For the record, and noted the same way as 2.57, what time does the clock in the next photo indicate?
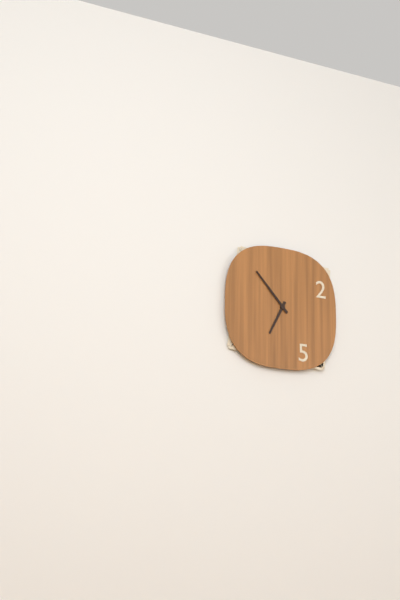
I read 6.53
